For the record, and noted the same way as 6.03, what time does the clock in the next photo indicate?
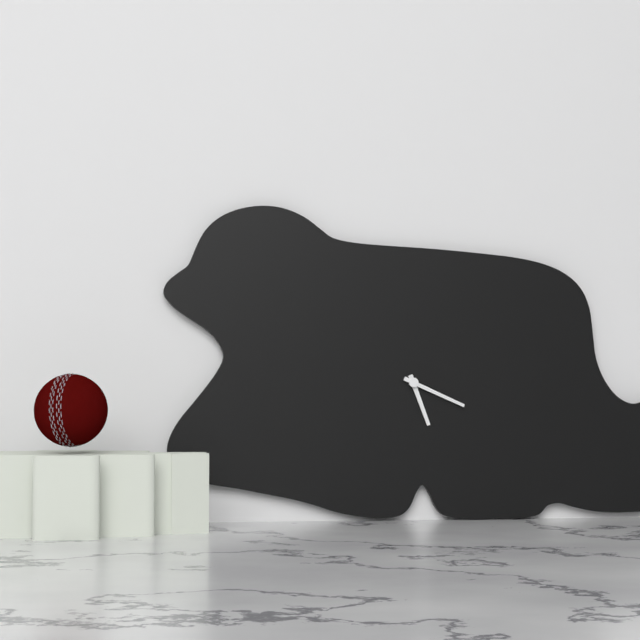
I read 5.19
